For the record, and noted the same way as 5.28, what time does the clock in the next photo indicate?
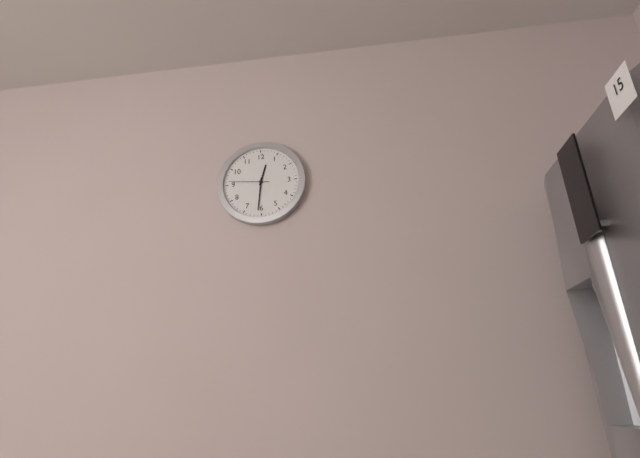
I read 12.31
